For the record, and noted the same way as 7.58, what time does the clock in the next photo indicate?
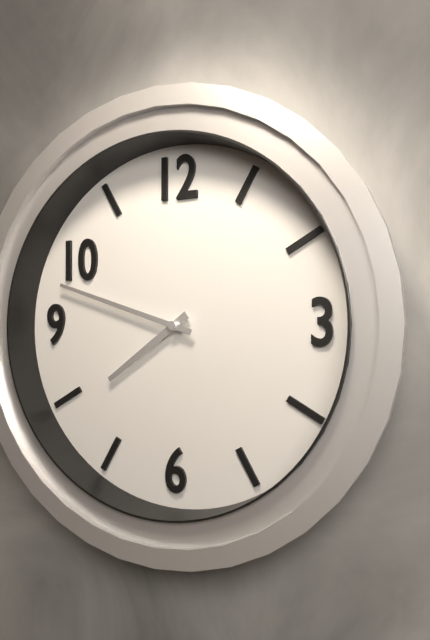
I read 7.48
